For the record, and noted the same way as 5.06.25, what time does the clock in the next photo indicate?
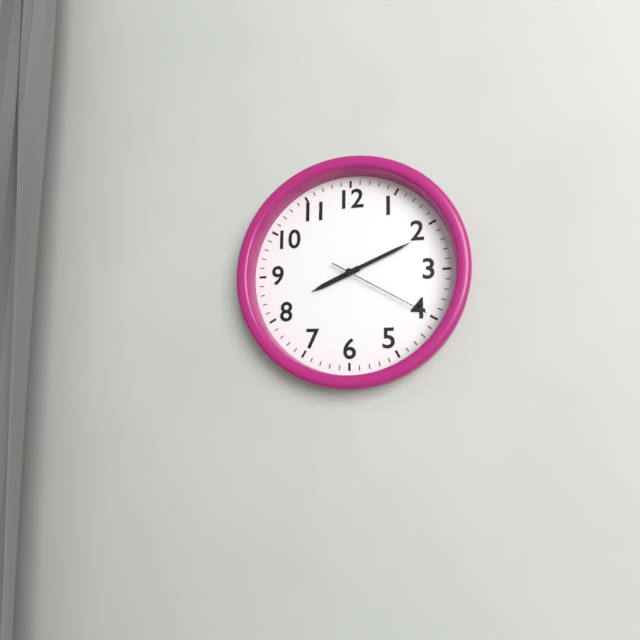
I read 8.11.20
